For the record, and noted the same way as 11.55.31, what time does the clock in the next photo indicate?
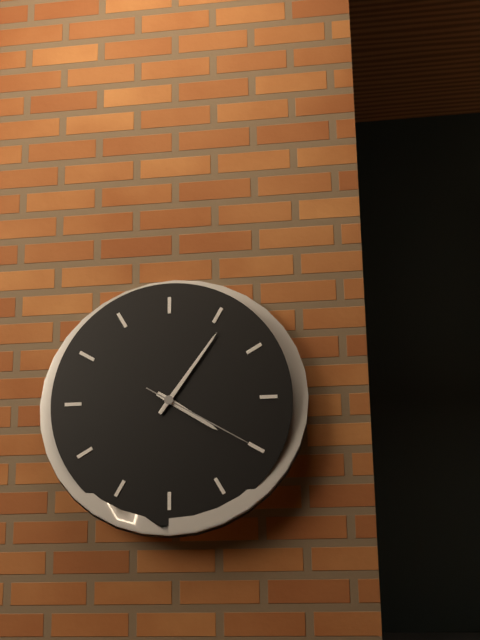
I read 4.06.20
